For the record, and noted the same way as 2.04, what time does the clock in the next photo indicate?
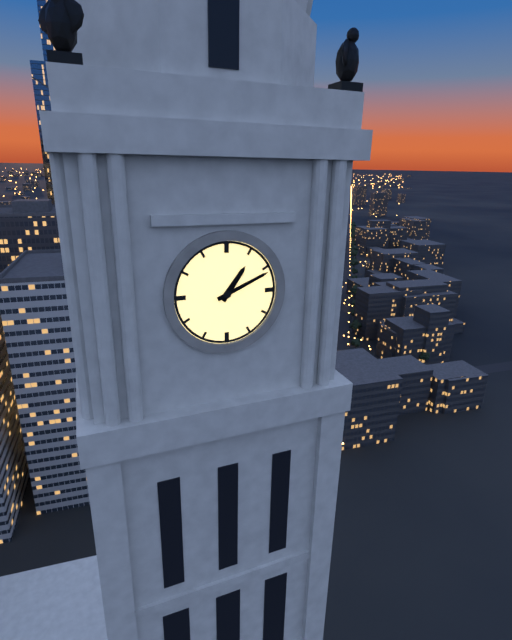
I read 1.11
